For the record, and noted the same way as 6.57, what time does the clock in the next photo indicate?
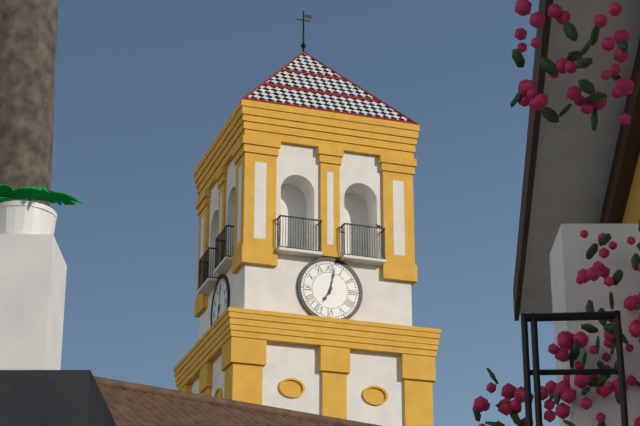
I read 7.02
